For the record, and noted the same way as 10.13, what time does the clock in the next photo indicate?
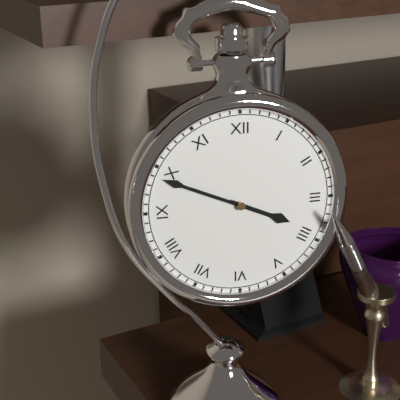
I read 3.49
